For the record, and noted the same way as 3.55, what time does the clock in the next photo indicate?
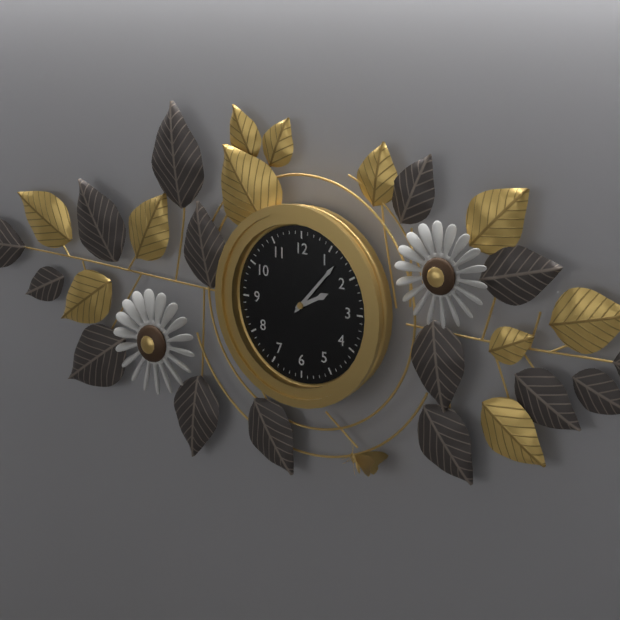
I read 2.07
